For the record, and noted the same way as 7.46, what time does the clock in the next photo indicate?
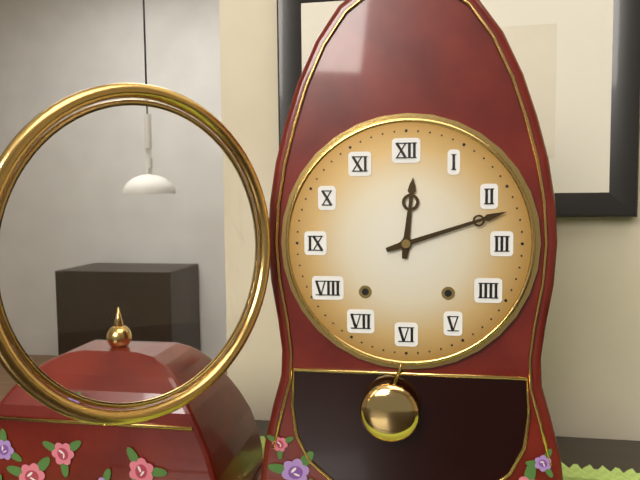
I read 12.12
